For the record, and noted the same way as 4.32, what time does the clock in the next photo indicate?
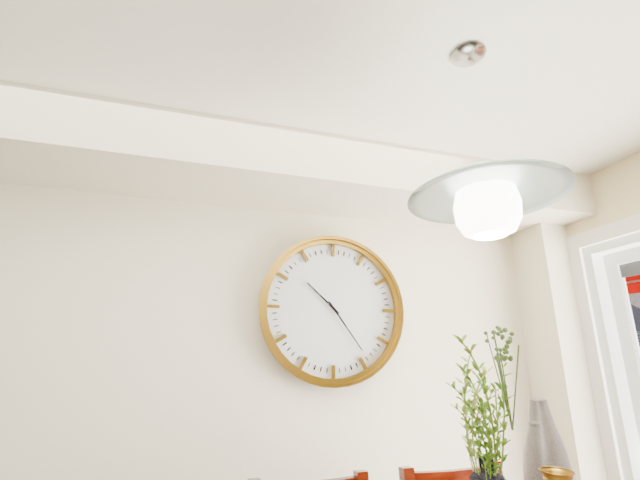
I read 10.24
